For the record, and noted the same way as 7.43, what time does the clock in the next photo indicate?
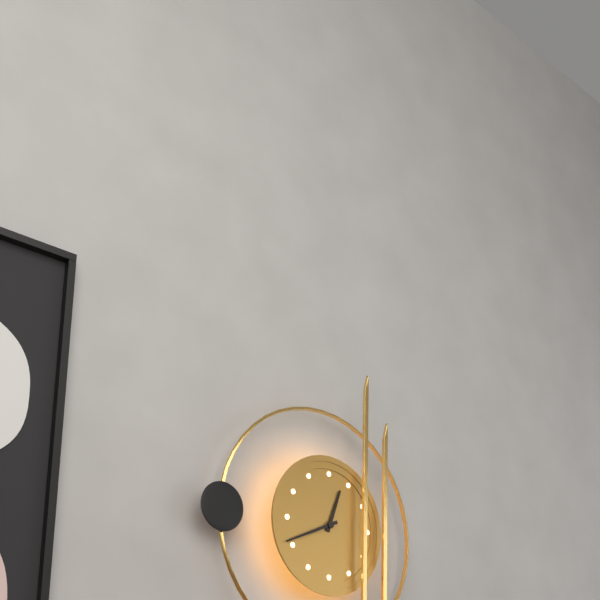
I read 12.41
